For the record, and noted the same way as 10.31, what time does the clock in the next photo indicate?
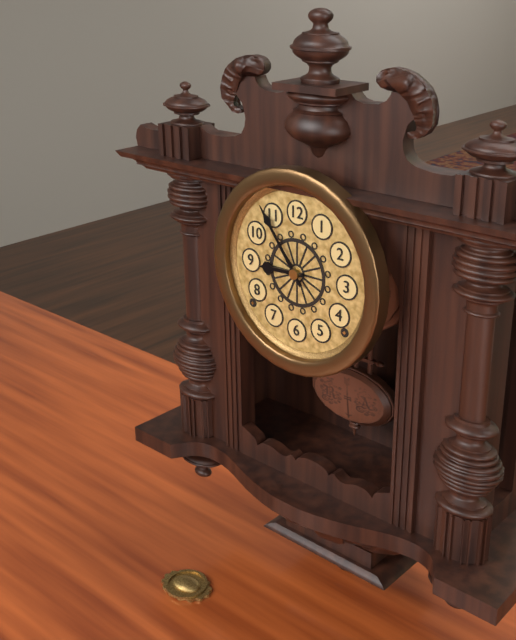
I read 8.54
